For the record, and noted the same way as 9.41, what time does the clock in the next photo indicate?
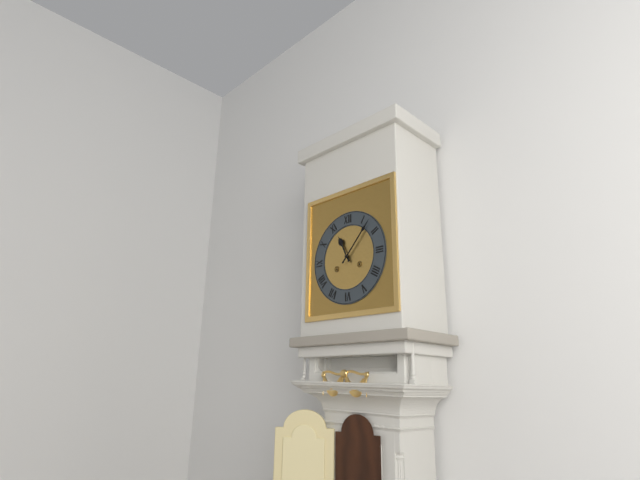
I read 11.07
